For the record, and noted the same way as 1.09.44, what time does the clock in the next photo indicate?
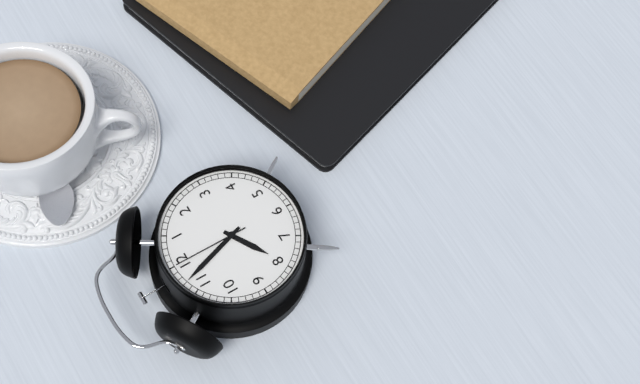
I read 7.57.00
